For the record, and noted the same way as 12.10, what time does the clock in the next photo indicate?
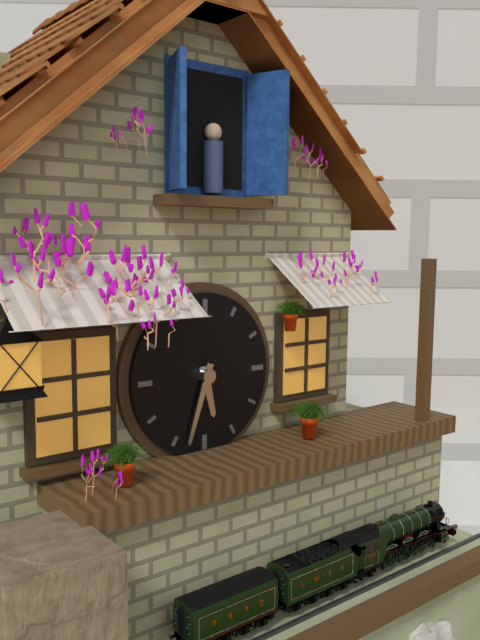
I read 5.33
